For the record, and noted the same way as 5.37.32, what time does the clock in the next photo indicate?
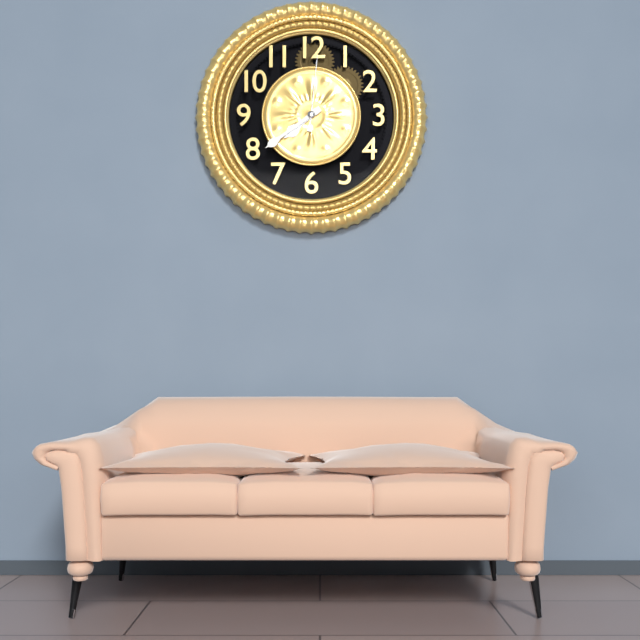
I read 7.39.01
